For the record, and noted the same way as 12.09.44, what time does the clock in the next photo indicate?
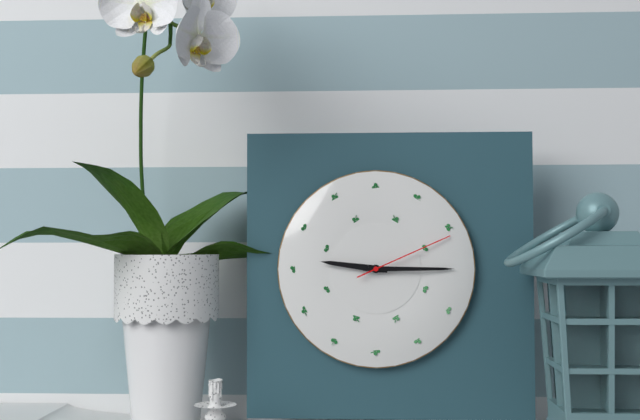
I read 9.15.11
